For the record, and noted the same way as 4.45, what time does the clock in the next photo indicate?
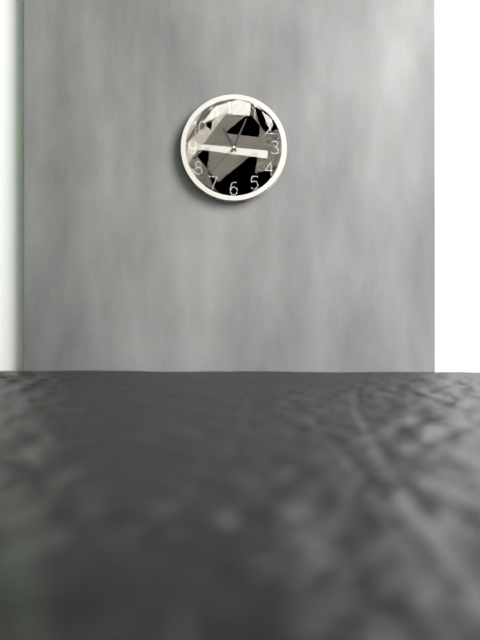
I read 11.04
